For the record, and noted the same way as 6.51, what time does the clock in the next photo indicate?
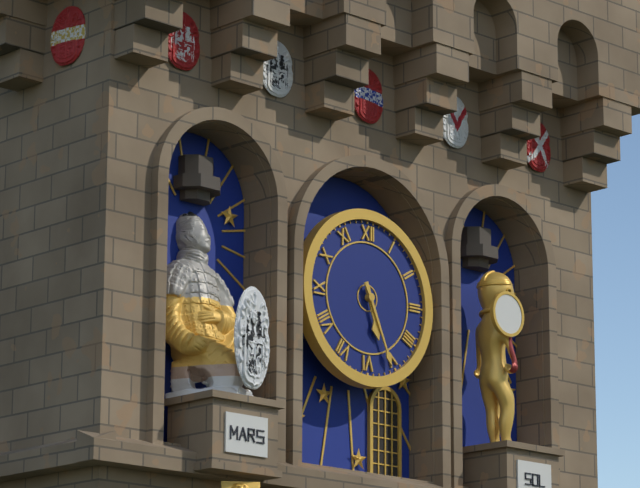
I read 5.26
